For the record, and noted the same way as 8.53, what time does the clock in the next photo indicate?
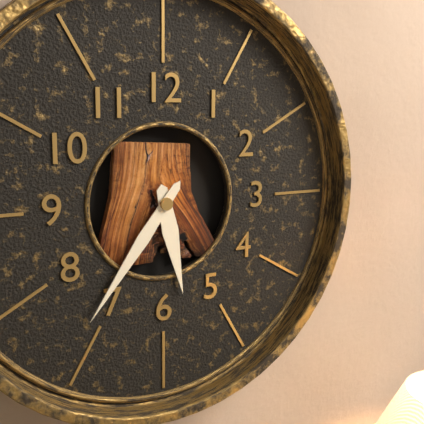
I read 5.36
